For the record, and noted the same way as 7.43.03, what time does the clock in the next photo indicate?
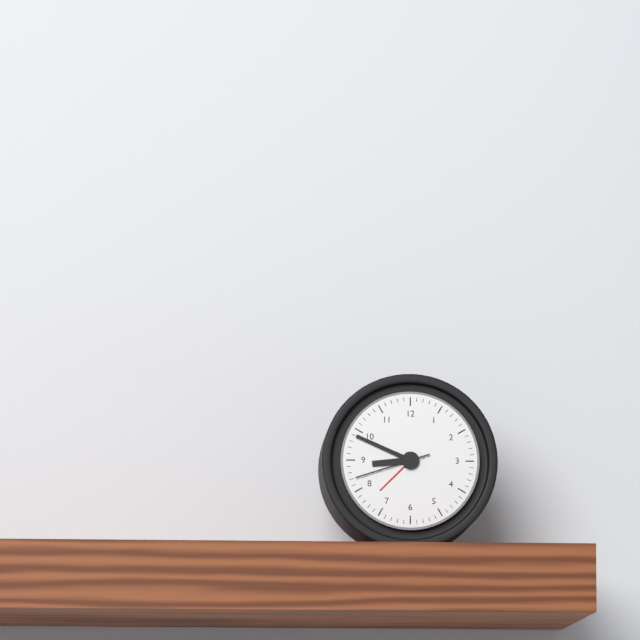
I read 8.49.42
